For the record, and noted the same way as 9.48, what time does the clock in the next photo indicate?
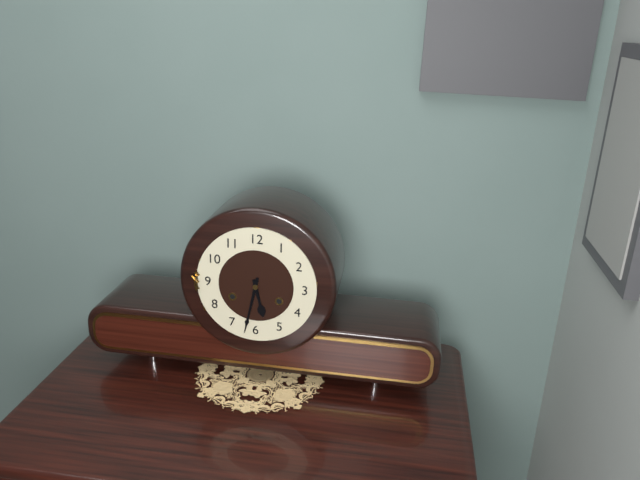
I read 5.32
